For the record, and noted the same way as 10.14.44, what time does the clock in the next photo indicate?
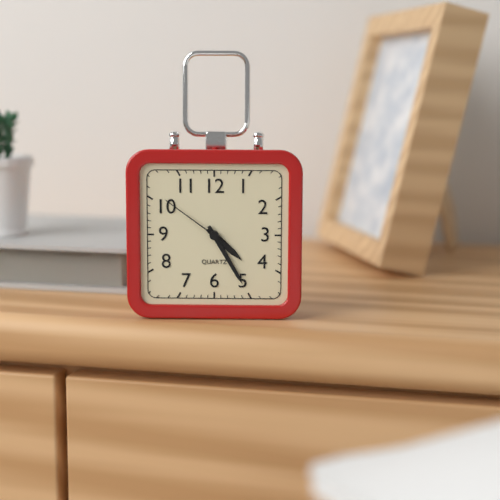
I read 4.25.51
